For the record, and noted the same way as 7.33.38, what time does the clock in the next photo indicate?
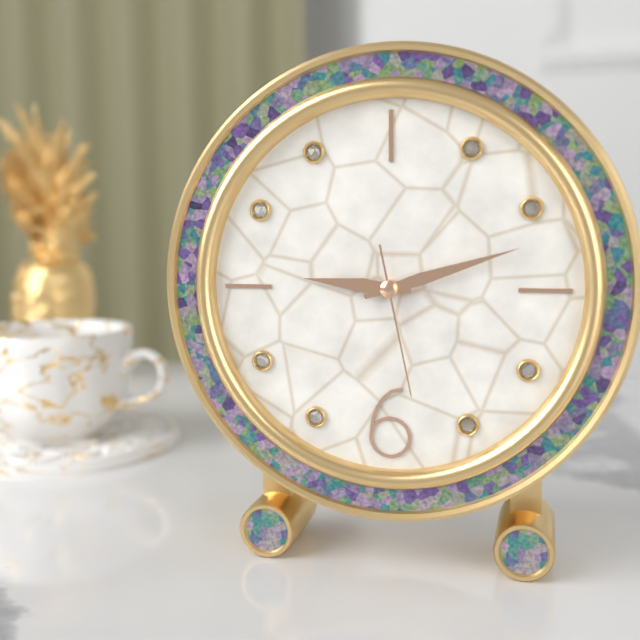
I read 9.12.28
